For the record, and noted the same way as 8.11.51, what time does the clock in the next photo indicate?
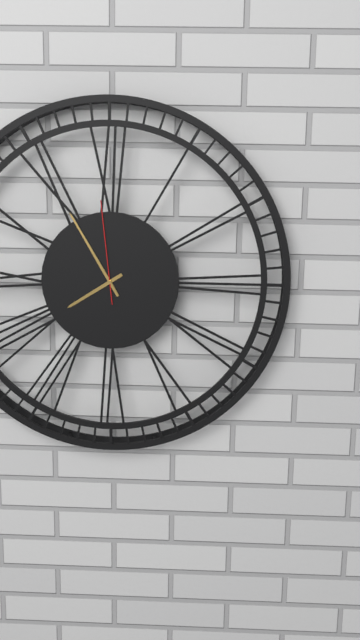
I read 7.55.59
